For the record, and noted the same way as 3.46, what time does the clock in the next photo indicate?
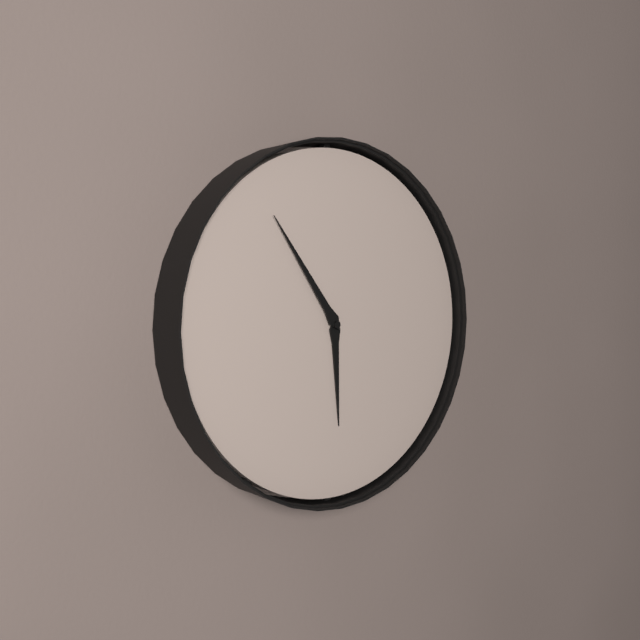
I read 5.54
